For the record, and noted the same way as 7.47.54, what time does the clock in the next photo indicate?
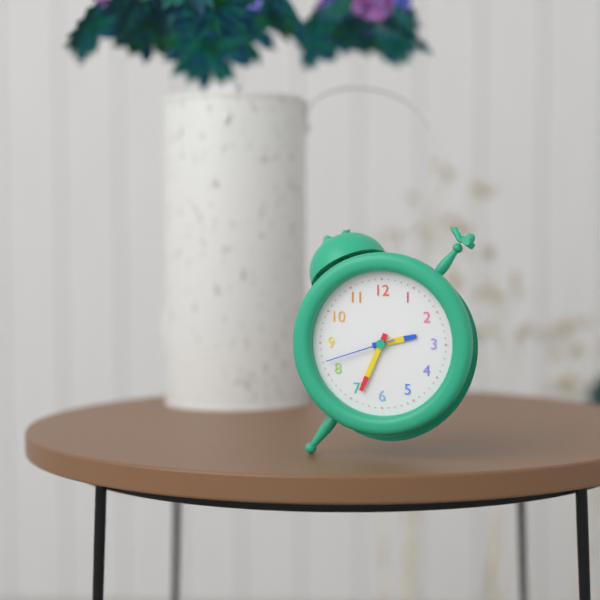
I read 2.34.42
